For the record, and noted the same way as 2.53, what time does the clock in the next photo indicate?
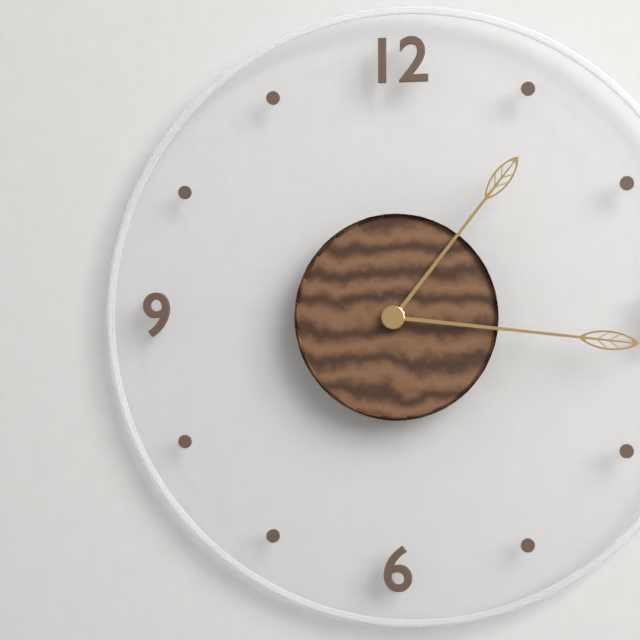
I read 1.16
